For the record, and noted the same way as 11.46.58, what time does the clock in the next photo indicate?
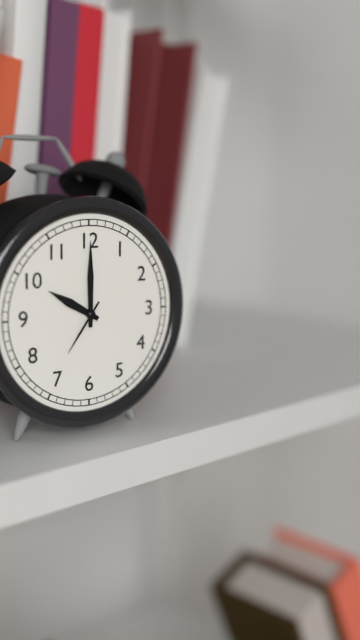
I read 10.00.36
